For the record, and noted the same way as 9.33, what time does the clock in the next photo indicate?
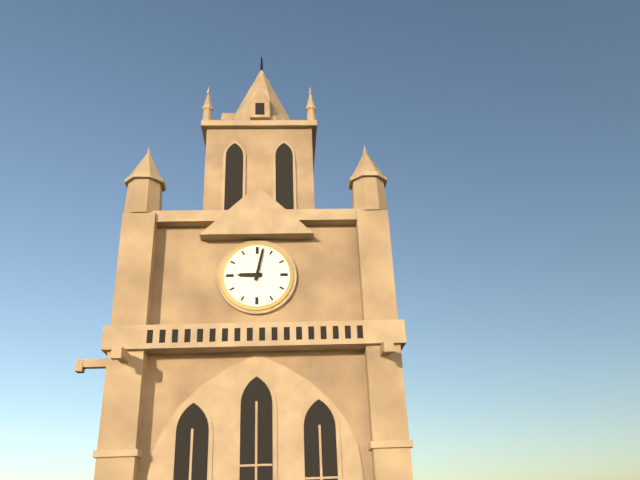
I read 9.02
